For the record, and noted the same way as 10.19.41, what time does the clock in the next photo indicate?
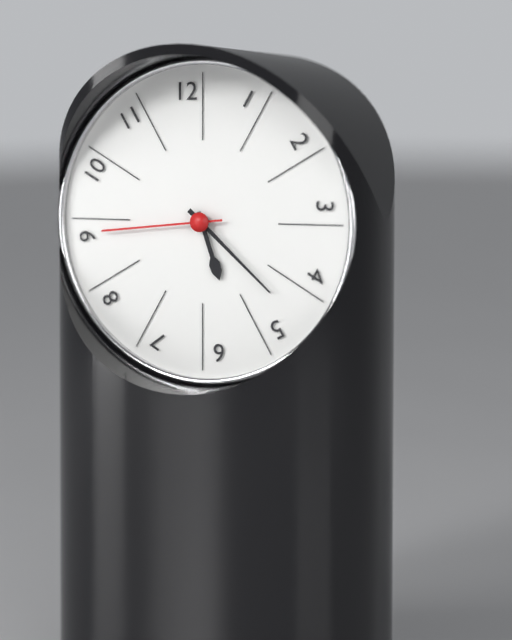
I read 5.22.44
